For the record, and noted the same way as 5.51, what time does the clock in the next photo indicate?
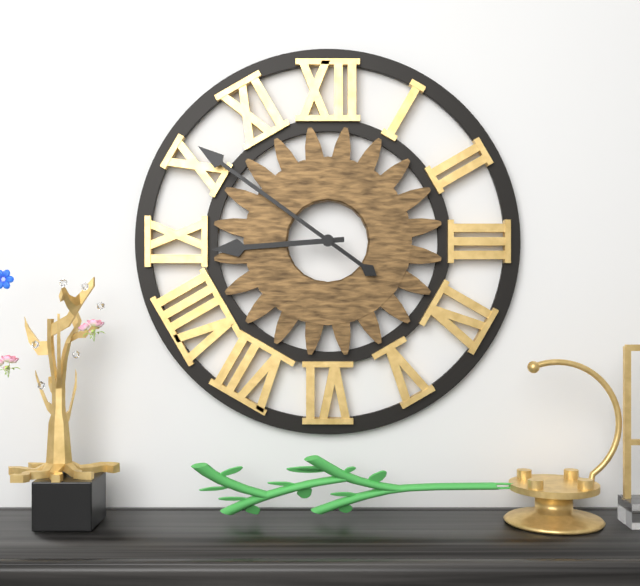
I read 8.51
